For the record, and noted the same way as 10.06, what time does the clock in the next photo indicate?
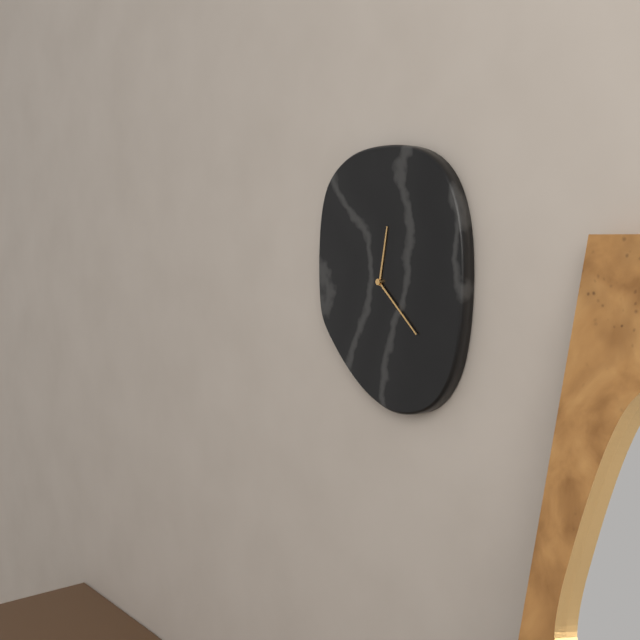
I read 12.22
